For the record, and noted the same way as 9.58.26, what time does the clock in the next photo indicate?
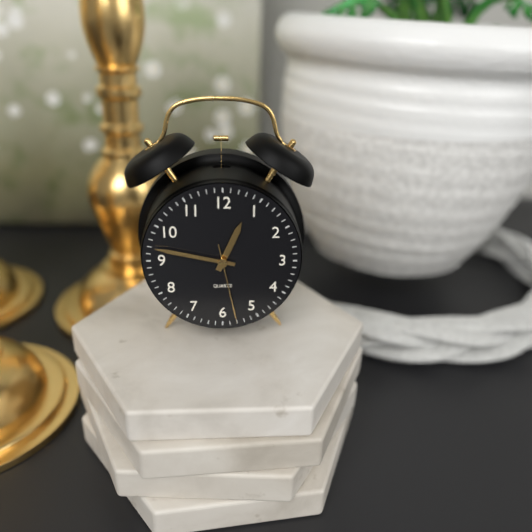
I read 12.47.28
